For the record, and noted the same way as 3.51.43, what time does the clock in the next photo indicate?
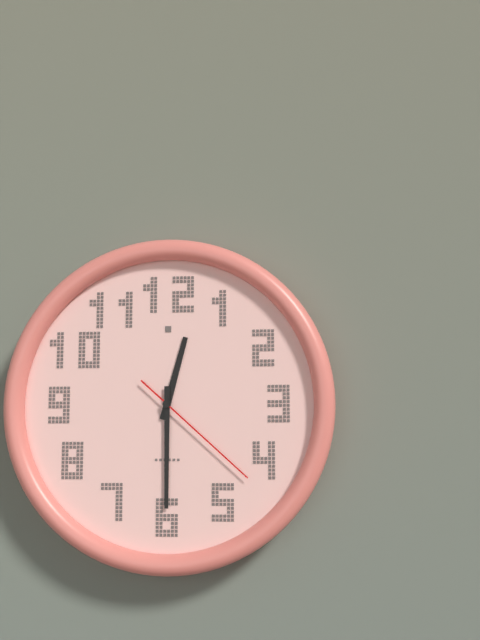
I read 12.30.22
